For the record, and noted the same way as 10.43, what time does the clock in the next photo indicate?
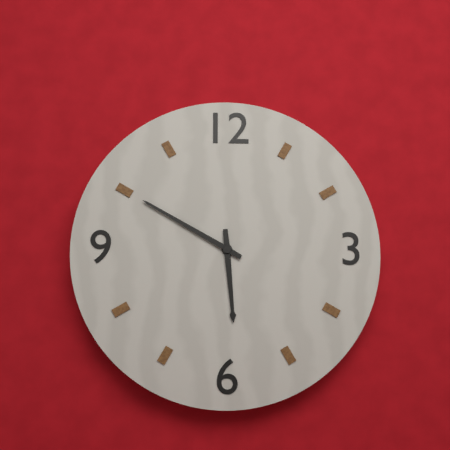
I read 5.50
